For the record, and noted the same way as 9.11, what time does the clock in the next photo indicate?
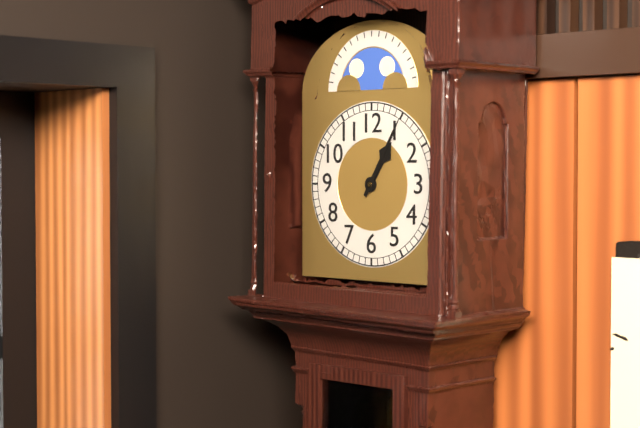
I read 1.05
